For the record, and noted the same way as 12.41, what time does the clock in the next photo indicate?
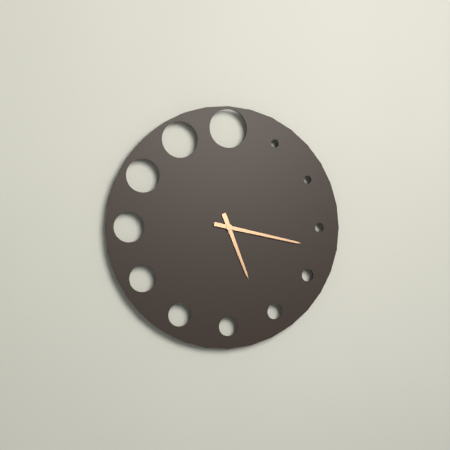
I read 5.17
